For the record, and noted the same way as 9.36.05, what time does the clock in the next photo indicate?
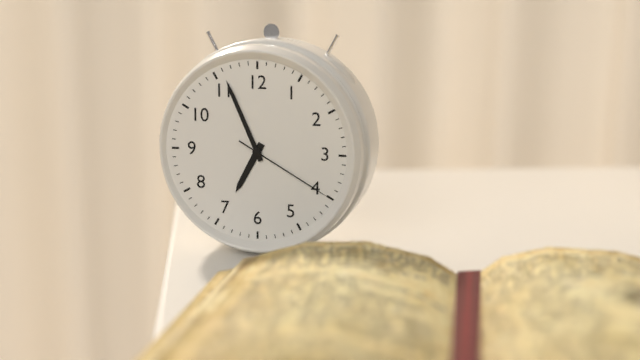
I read 6.56.20
